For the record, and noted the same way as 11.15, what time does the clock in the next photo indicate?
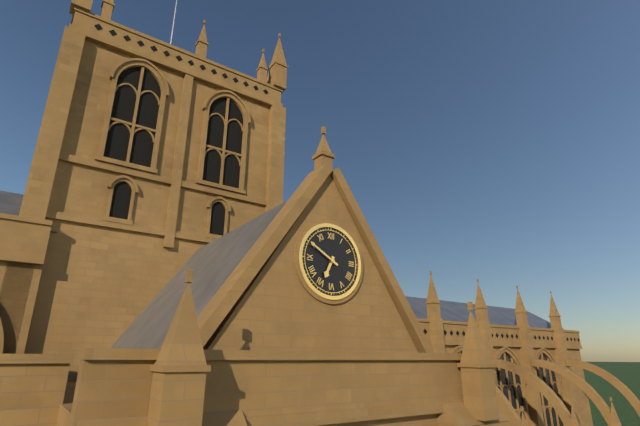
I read 6.50
